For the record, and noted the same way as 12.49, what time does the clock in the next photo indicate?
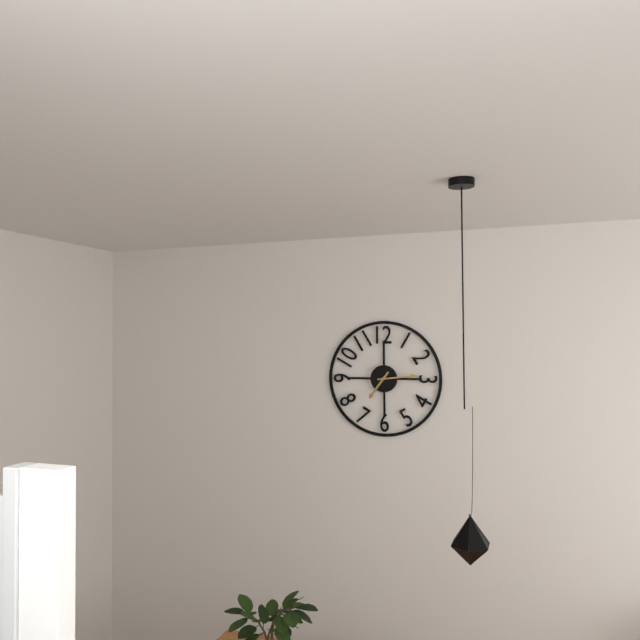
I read 7.14
